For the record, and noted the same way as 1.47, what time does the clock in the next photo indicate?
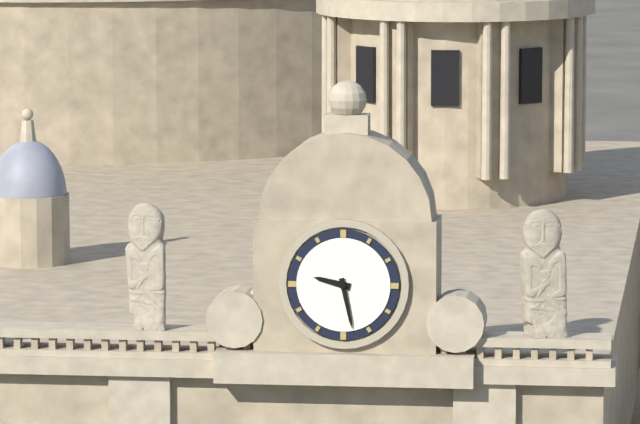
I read 9.28
